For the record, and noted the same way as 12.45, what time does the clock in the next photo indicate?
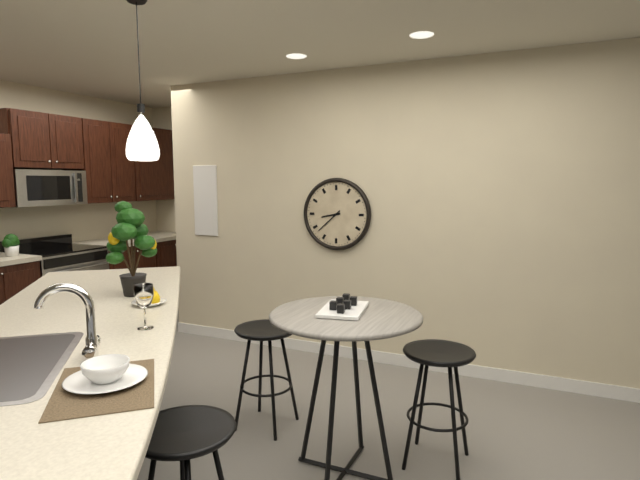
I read 8.38
